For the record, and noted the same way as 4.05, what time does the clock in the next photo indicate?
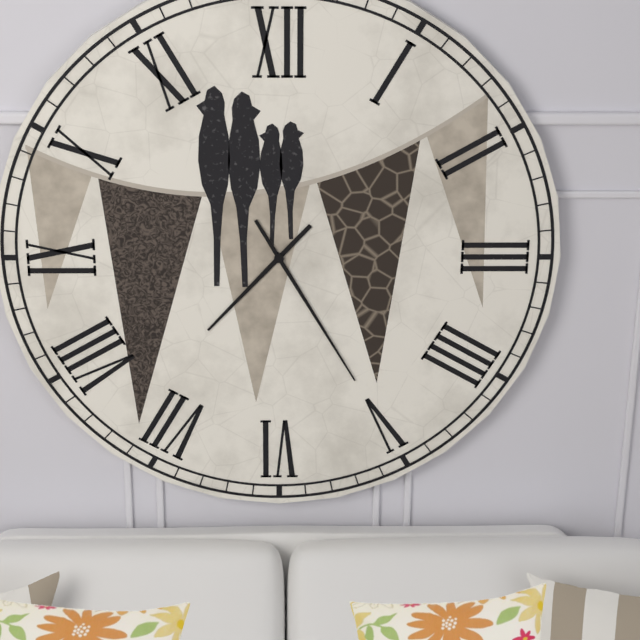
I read 7.25
